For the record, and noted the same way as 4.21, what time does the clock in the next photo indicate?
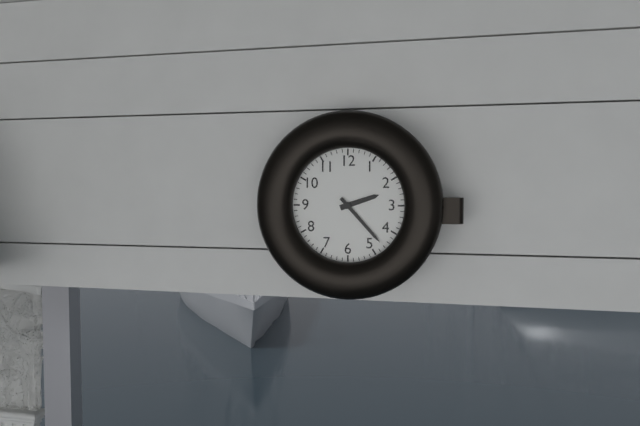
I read 2.23
